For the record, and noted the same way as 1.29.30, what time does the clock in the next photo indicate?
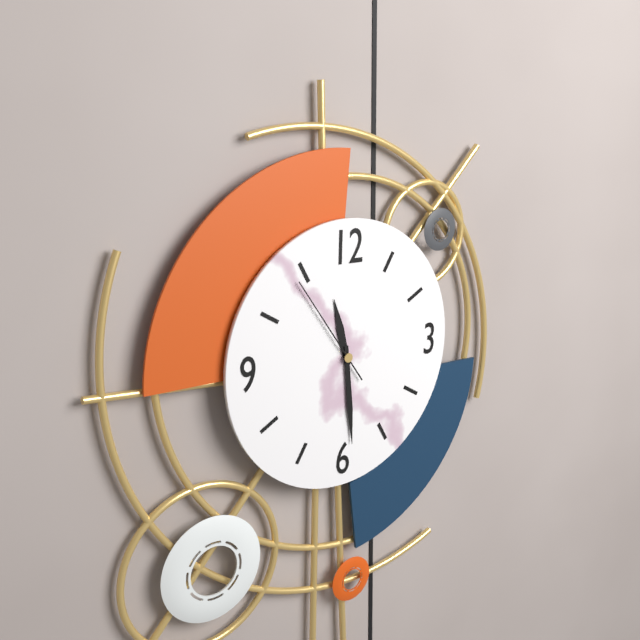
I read 11.29.54
